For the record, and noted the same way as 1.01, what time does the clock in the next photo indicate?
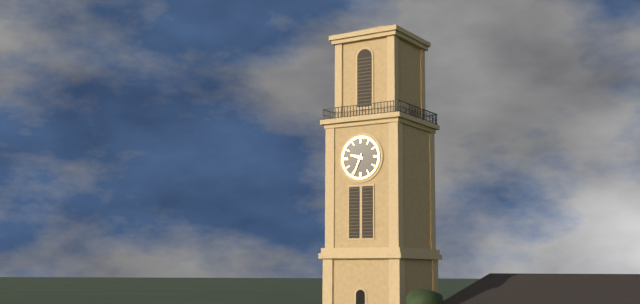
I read 9.34
